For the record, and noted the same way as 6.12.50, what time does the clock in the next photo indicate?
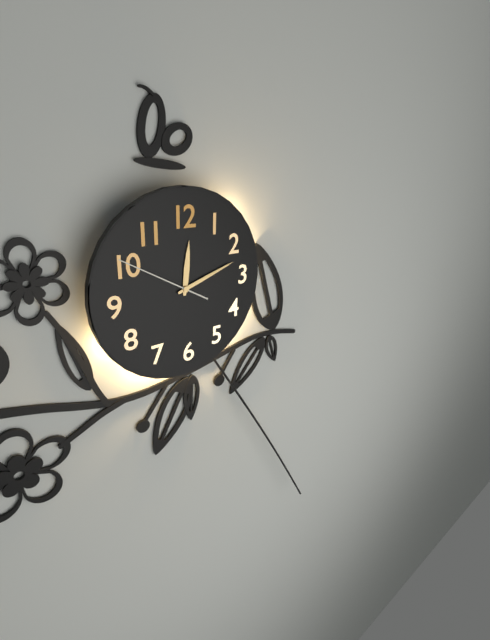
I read 12.12.50
